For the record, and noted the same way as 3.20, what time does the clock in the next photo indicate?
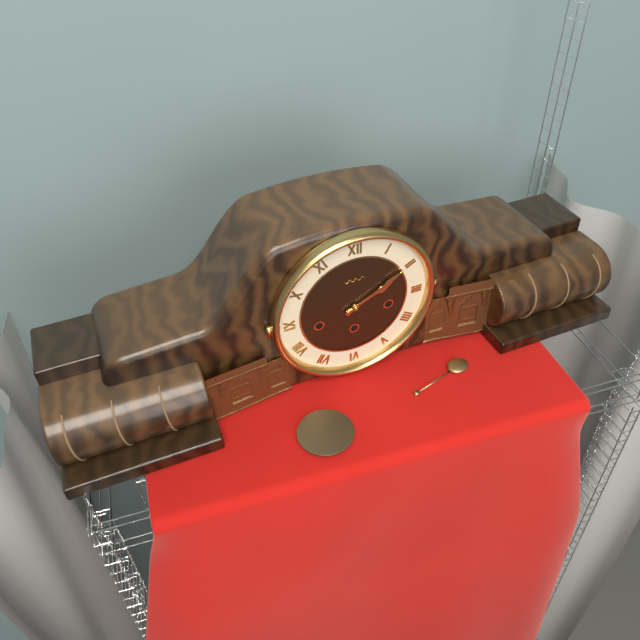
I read 2.10
